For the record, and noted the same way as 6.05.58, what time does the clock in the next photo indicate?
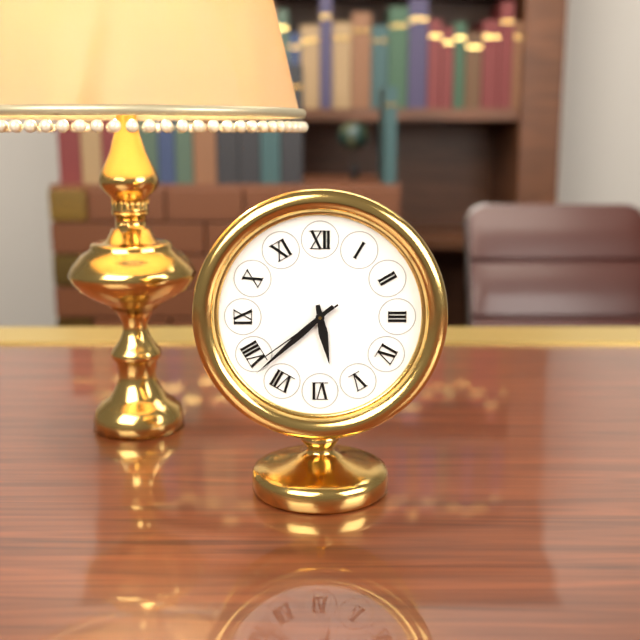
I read 5.38.39
